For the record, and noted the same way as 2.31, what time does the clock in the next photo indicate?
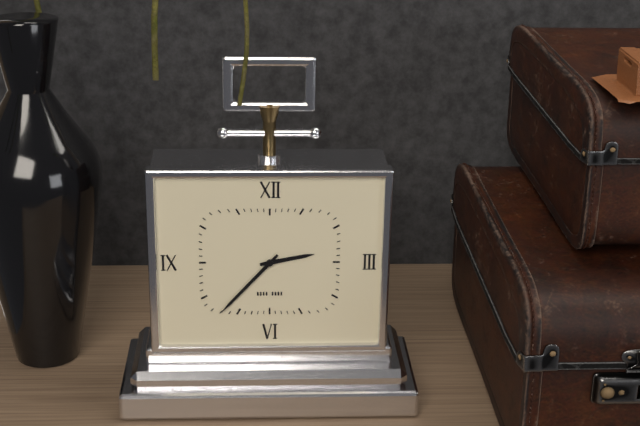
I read 2.37
